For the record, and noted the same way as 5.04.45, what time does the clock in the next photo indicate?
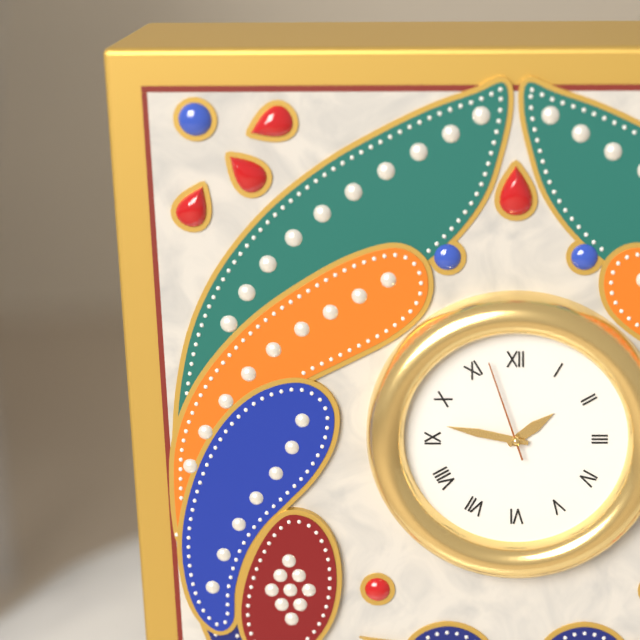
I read 1.47.57
